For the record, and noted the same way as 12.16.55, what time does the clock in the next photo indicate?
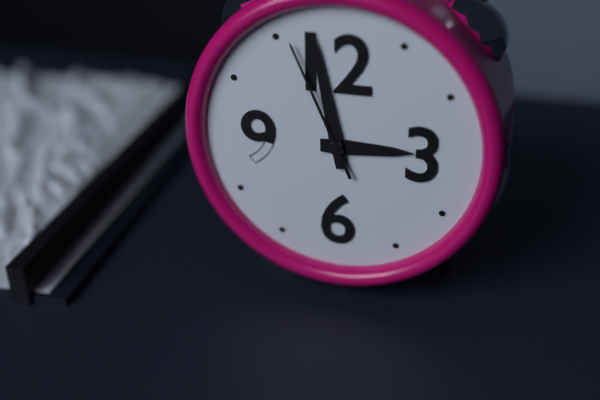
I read 2.58.56
